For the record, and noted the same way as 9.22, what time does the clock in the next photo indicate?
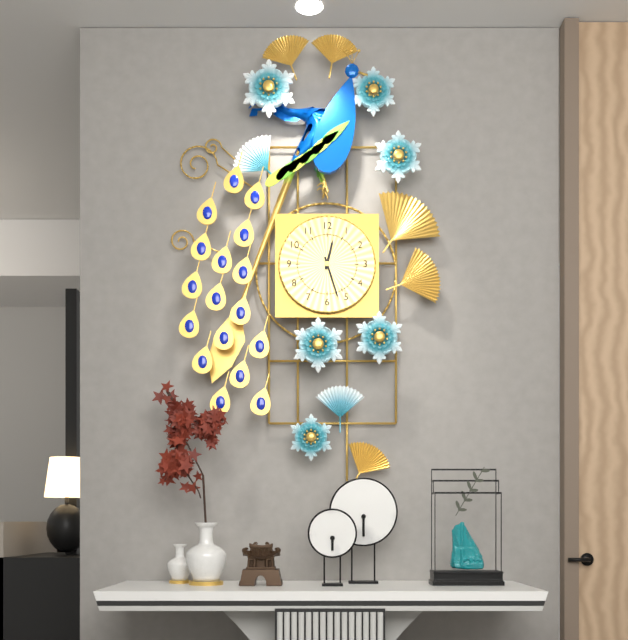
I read 12.27
